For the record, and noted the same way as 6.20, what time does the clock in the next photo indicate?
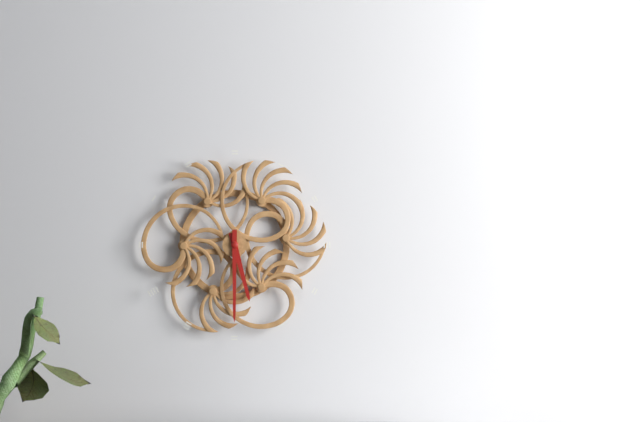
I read 5.30
